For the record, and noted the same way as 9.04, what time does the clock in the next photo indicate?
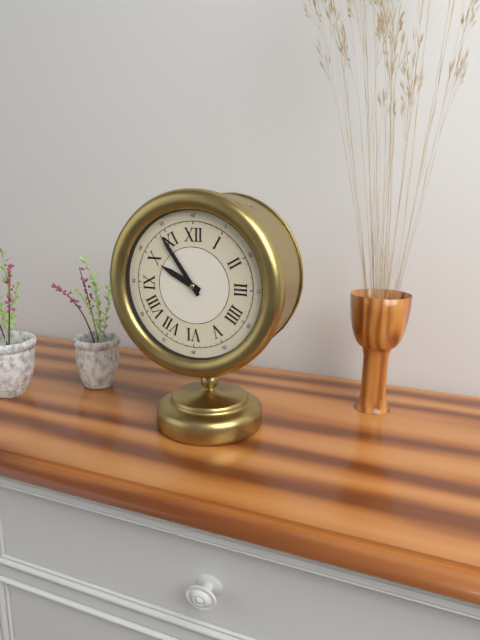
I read 9.54
